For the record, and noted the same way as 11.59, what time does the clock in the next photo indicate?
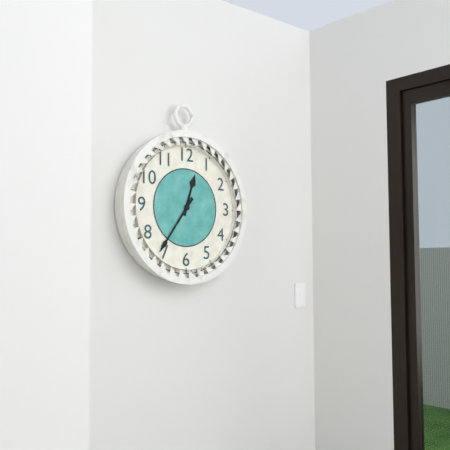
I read 12.36
